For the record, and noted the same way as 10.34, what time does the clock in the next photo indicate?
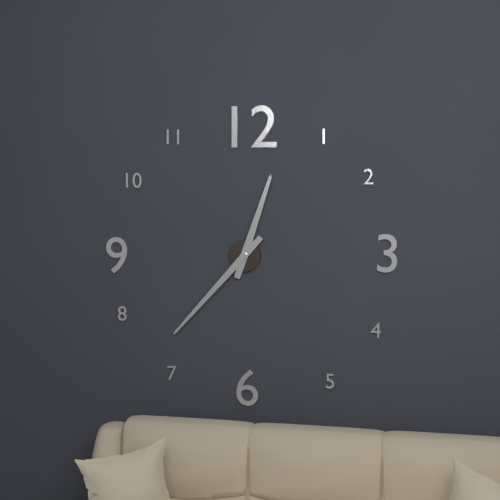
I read 12.37
